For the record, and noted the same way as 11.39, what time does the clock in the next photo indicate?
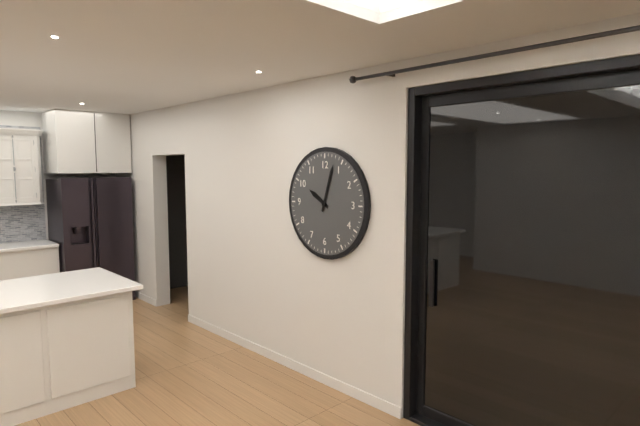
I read 10.03
